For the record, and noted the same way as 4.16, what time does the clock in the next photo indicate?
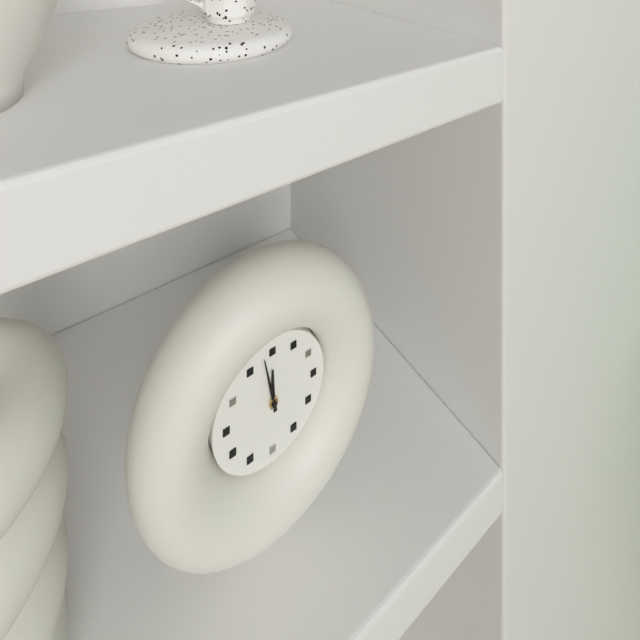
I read 11.58
